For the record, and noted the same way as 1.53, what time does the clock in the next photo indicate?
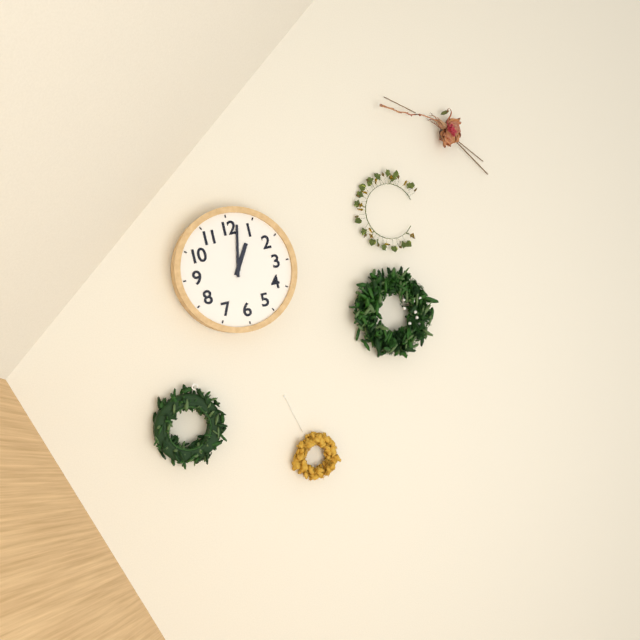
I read 1.02
